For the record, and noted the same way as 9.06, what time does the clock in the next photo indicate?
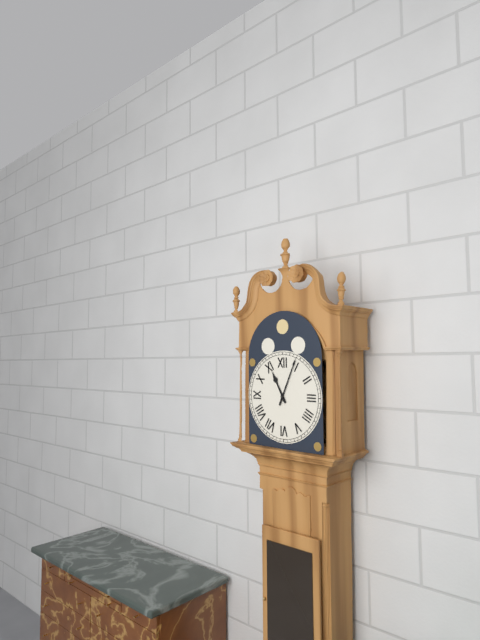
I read 11.04
